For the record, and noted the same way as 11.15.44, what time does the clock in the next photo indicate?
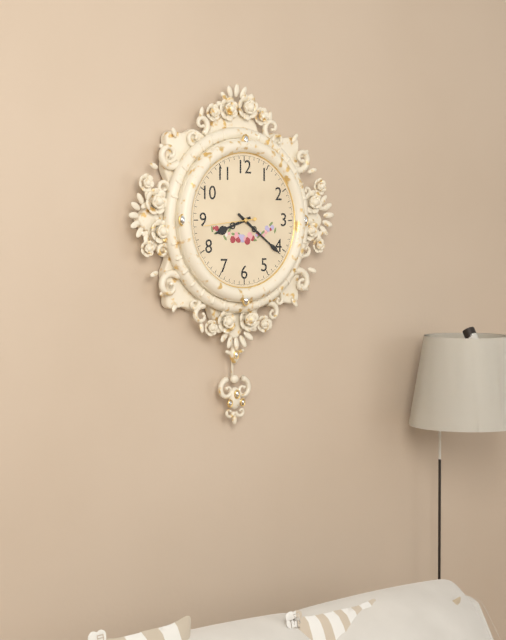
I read 8.21.44
